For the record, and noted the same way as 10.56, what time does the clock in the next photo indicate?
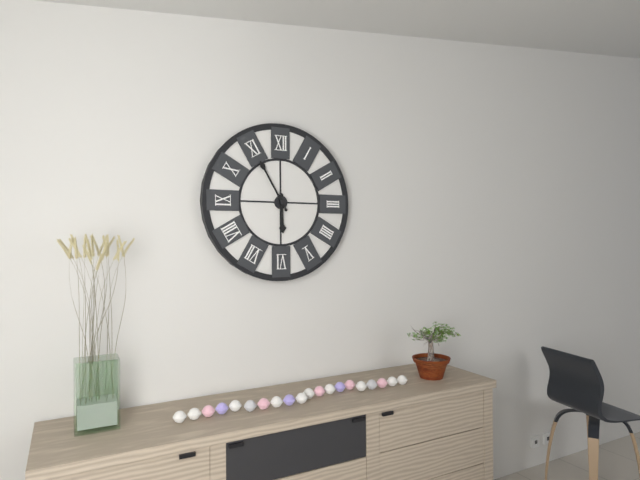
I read 5.55
